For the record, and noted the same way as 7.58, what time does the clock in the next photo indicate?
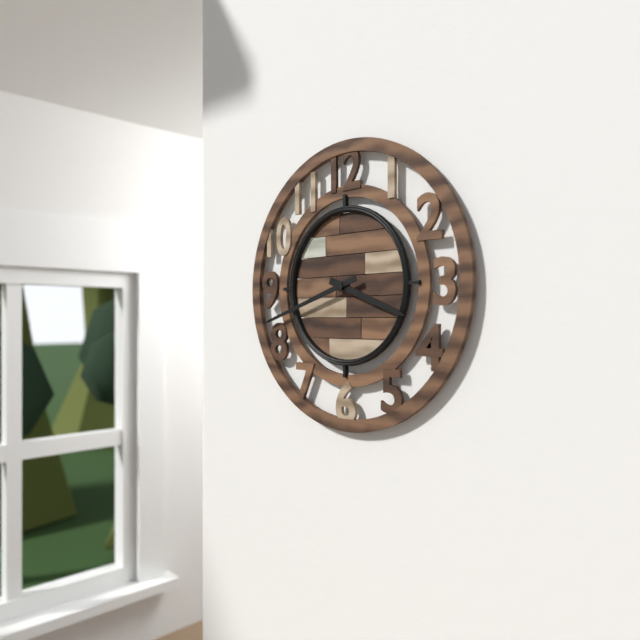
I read 3.42
